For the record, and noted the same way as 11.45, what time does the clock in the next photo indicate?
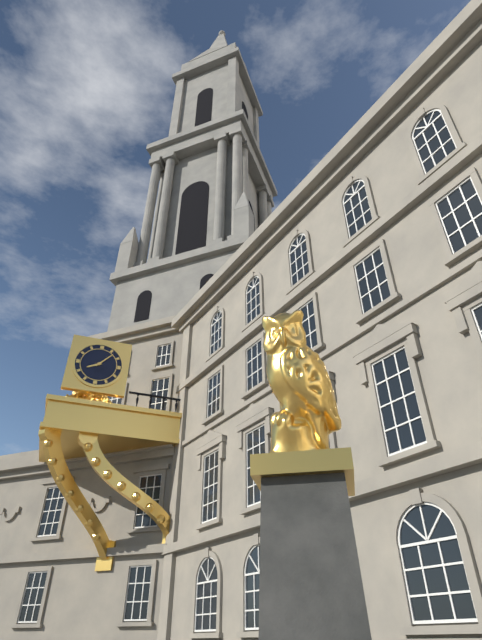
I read 8.07
